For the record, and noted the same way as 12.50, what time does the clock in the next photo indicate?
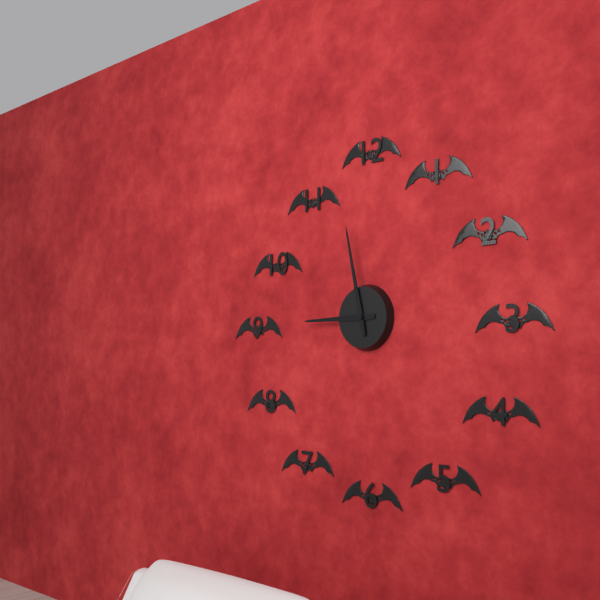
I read 8.58
